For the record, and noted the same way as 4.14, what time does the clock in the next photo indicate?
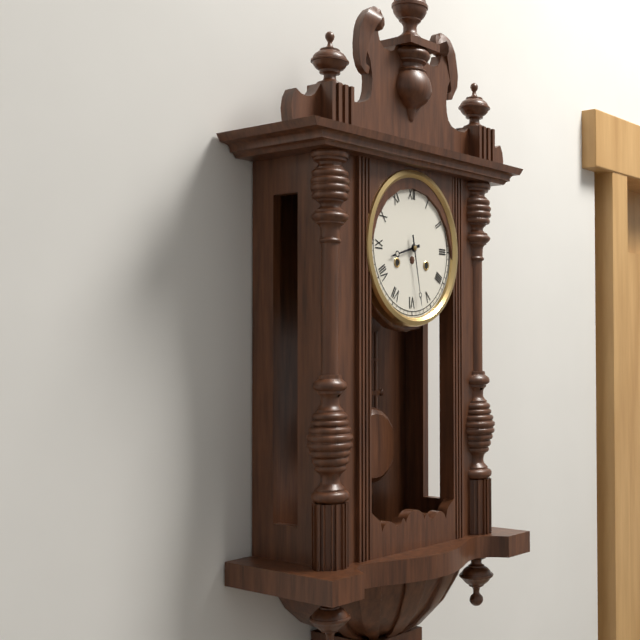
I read 8.28
